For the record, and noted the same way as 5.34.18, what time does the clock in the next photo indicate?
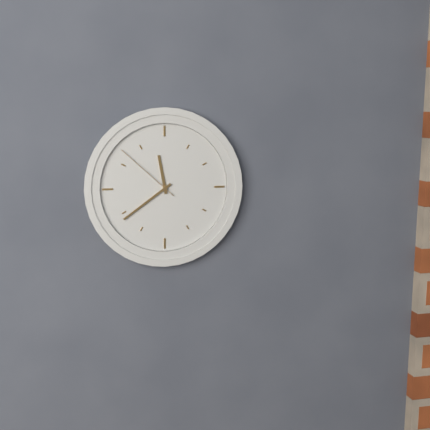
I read 11.39.52
